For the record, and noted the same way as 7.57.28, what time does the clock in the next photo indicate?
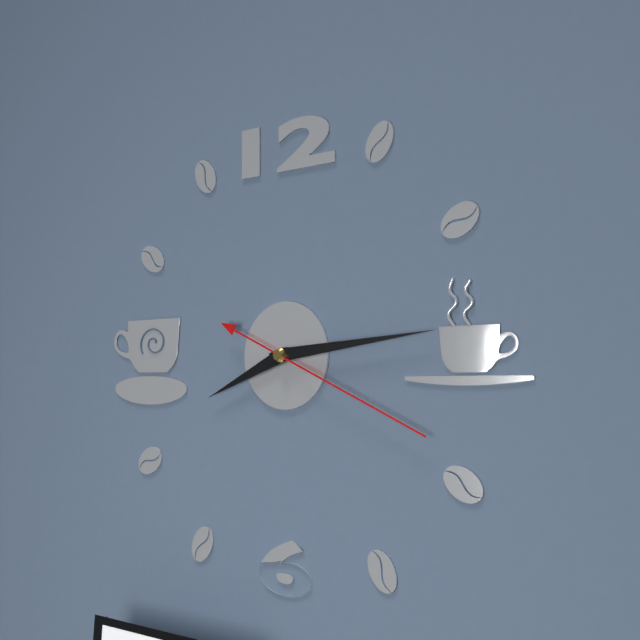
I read 8.14.19
